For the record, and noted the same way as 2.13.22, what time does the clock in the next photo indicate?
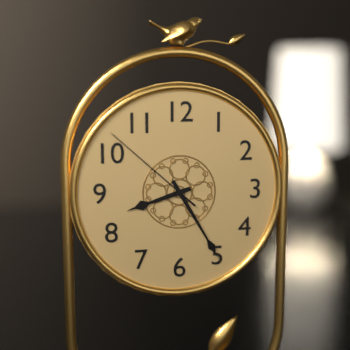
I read 8.25.52
